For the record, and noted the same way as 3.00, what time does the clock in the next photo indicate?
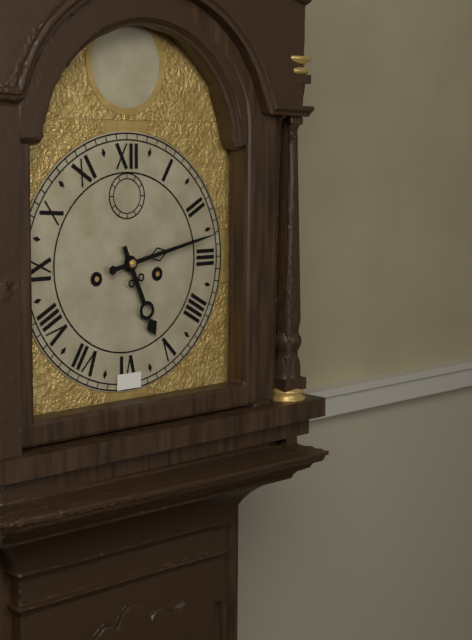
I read 5.13
